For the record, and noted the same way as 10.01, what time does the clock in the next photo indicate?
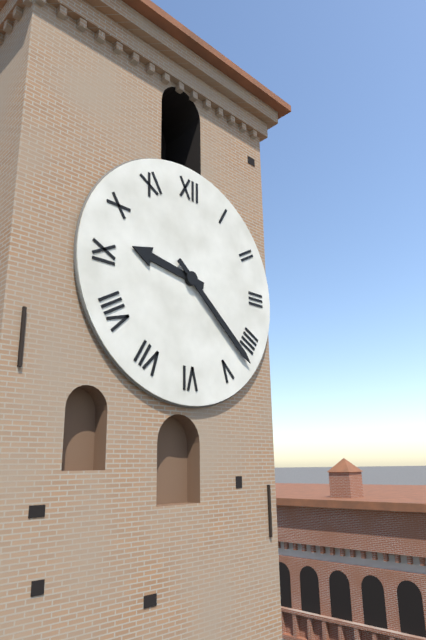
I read 9.22
